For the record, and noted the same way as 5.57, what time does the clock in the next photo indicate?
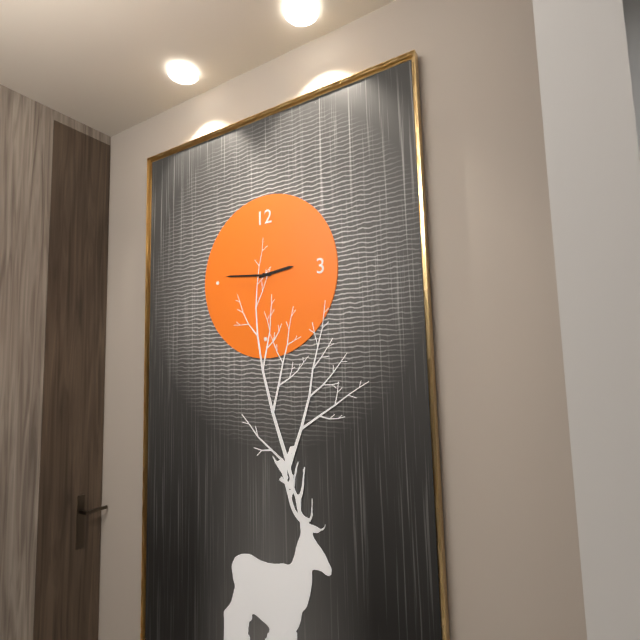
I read 2.46
